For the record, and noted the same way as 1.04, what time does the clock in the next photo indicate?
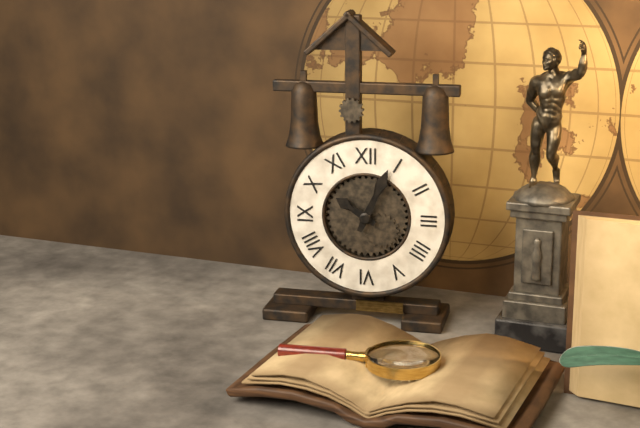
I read 10.04
